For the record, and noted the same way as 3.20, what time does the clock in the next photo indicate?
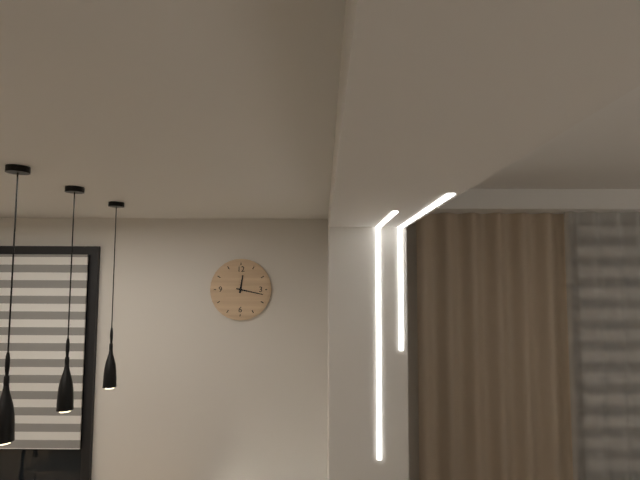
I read 12.17
